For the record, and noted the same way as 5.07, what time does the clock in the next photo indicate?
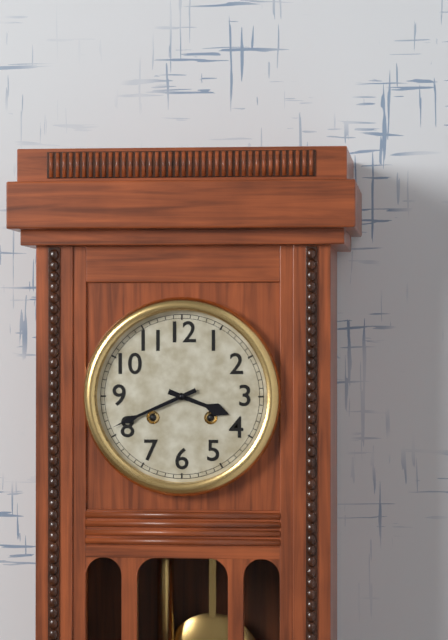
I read 3.41
